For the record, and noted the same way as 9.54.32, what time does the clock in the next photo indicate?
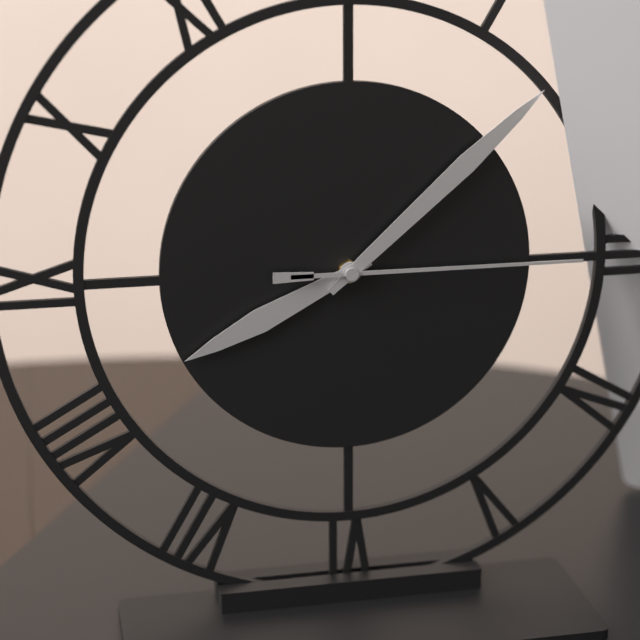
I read 8.08.15
